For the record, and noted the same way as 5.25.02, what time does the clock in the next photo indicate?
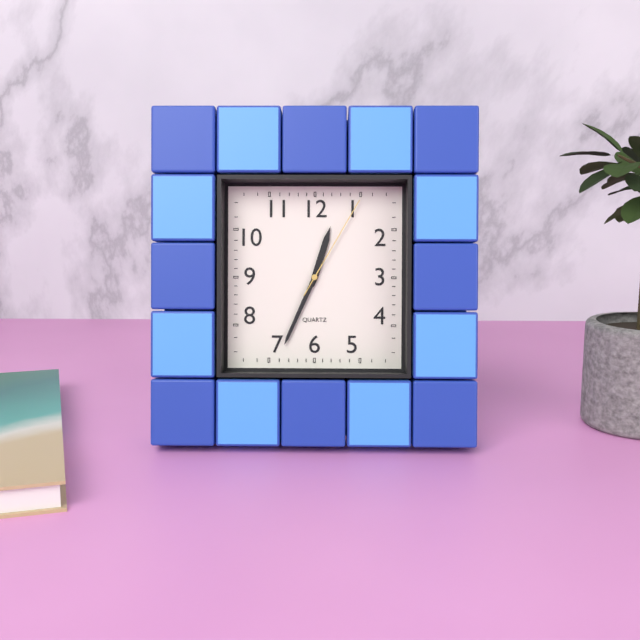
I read 12.34.05
